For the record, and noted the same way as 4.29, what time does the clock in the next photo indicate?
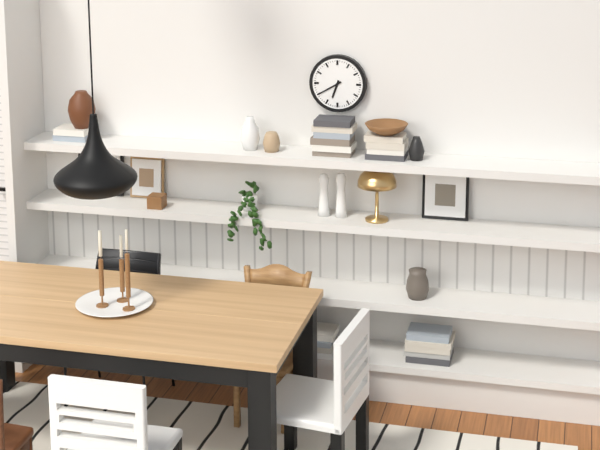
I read 6.40
